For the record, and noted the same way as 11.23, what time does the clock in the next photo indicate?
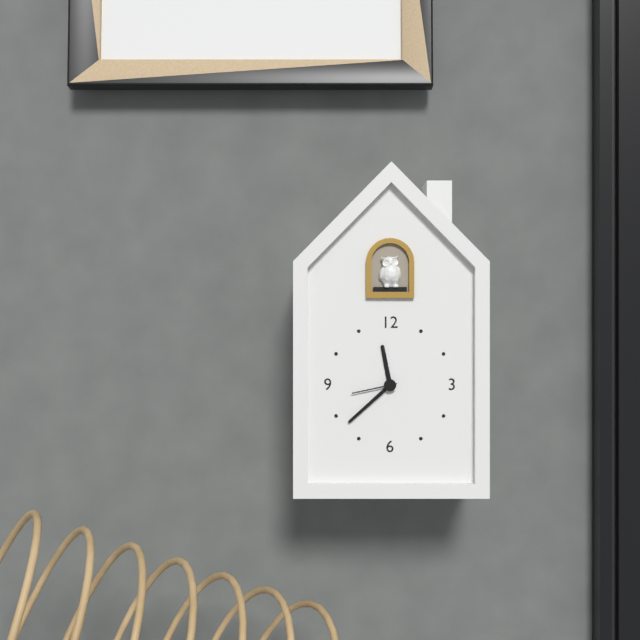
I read 11.38
